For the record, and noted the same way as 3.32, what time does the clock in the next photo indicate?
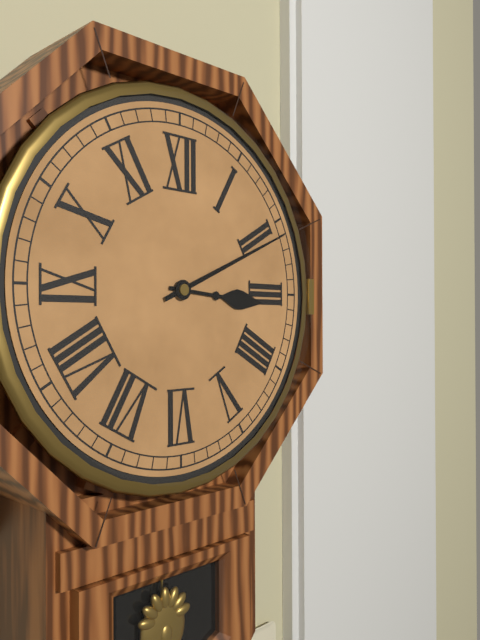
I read 3.11
